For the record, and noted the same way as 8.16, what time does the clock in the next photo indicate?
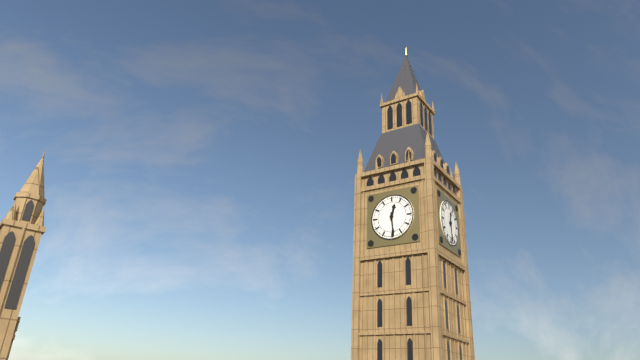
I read 12.29
